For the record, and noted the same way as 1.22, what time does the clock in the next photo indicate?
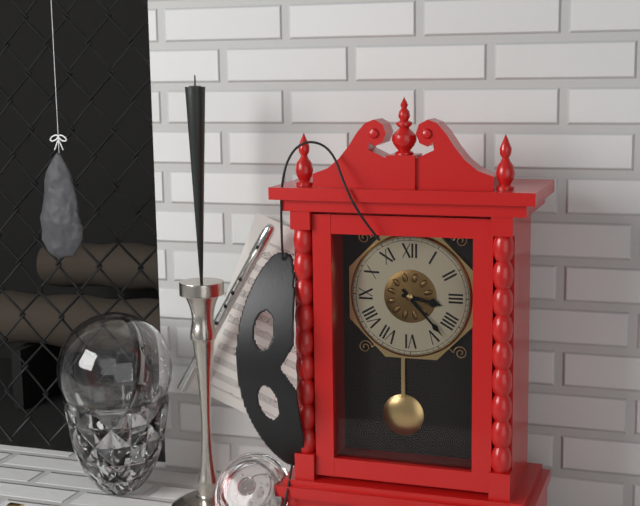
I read 3.23
